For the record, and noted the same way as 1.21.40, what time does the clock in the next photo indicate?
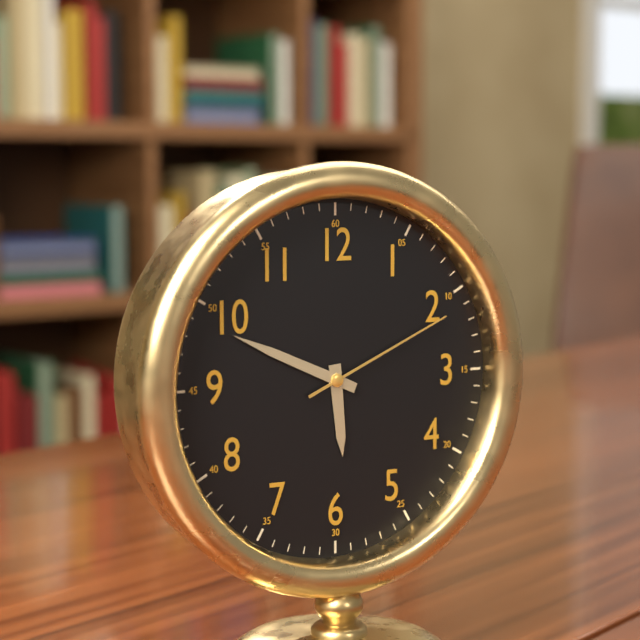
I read 5.49.11
